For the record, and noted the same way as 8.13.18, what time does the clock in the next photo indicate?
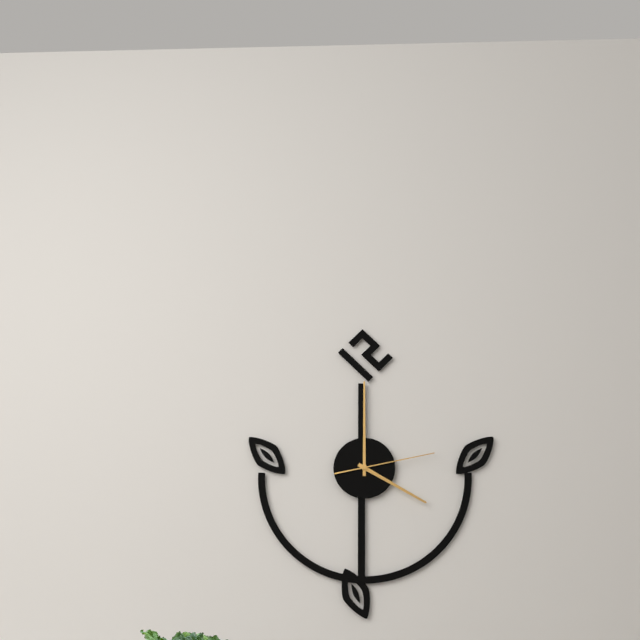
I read 4.00.13
